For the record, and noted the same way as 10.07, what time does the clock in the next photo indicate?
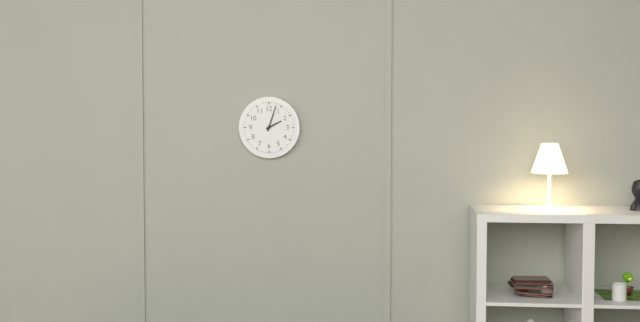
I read 2.03
